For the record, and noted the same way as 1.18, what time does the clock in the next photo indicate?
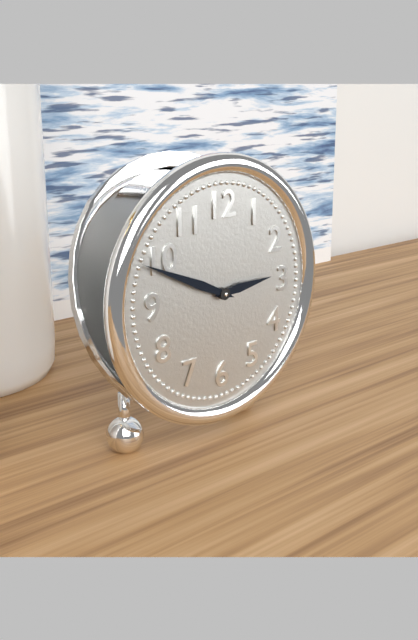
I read 2.49
